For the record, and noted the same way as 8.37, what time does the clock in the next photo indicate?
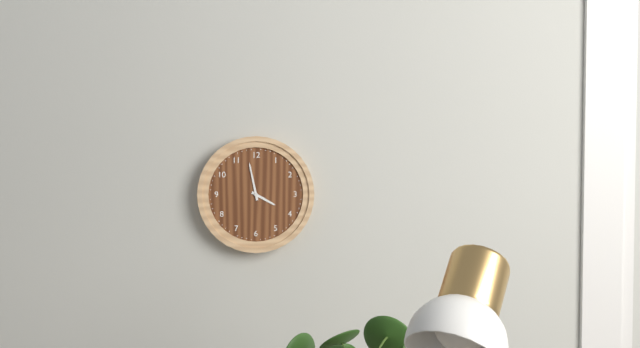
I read 3.58
